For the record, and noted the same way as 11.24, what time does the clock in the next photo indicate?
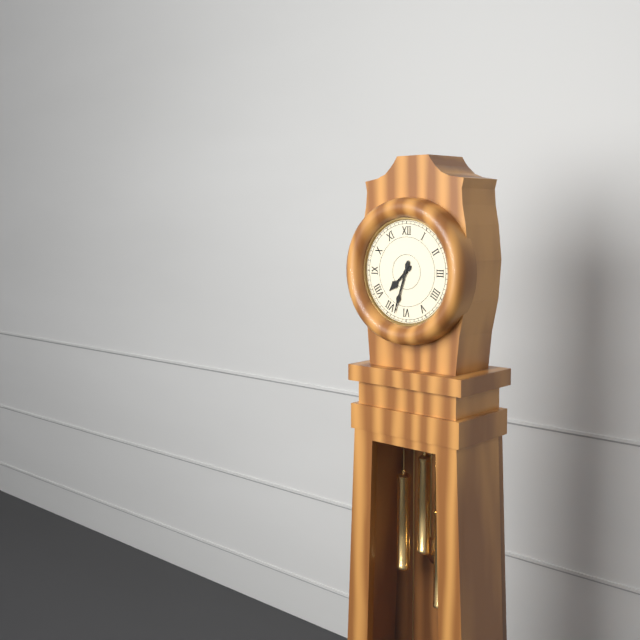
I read 7.33
